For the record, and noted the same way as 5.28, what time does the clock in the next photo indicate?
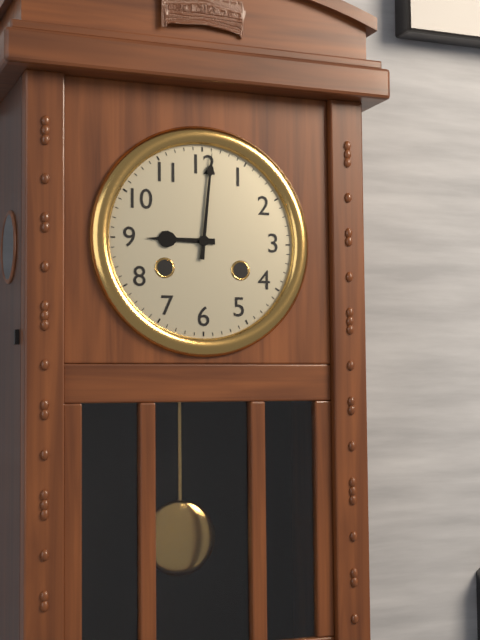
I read 9.01
